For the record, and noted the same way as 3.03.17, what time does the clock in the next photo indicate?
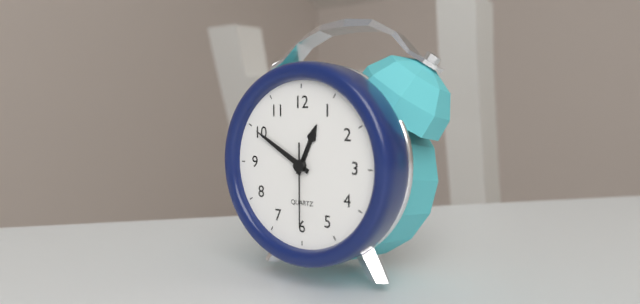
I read 12.50.30
